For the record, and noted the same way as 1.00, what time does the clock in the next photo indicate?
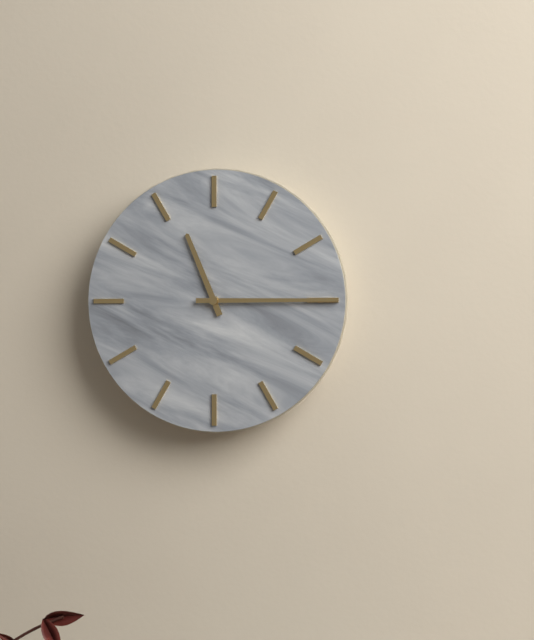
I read 11.15
